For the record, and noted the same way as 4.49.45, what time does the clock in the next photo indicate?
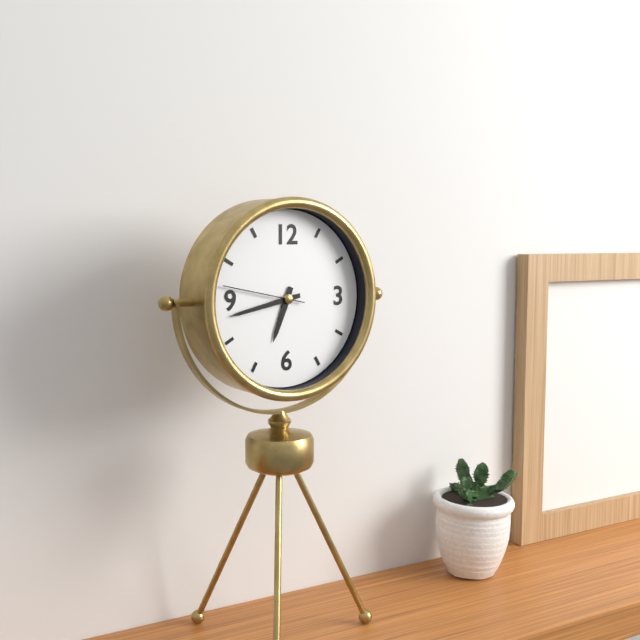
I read 6.43.47
